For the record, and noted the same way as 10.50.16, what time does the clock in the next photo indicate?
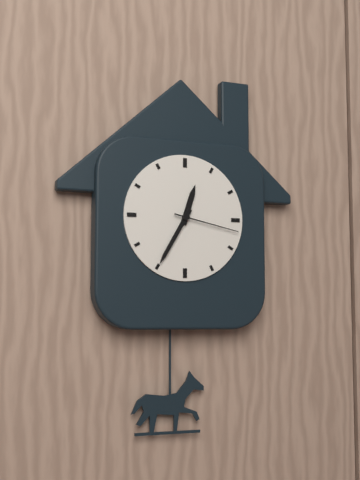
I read 12.35.17
